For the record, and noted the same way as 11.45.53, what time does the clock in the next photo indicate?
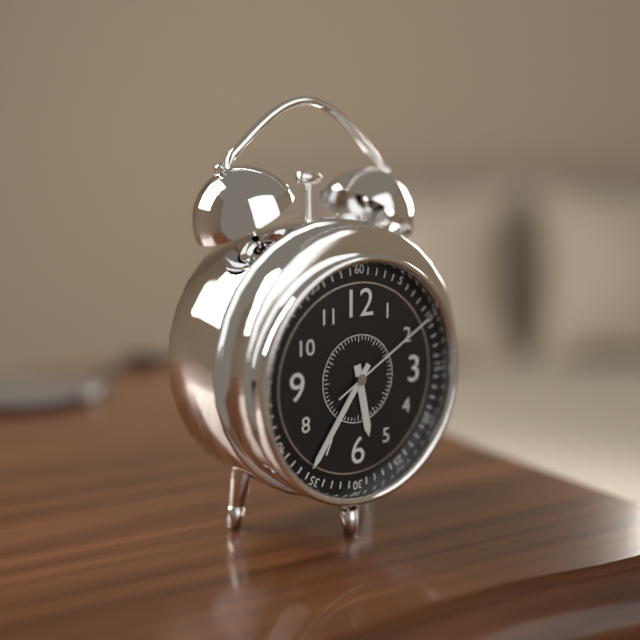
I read 5.36.10
